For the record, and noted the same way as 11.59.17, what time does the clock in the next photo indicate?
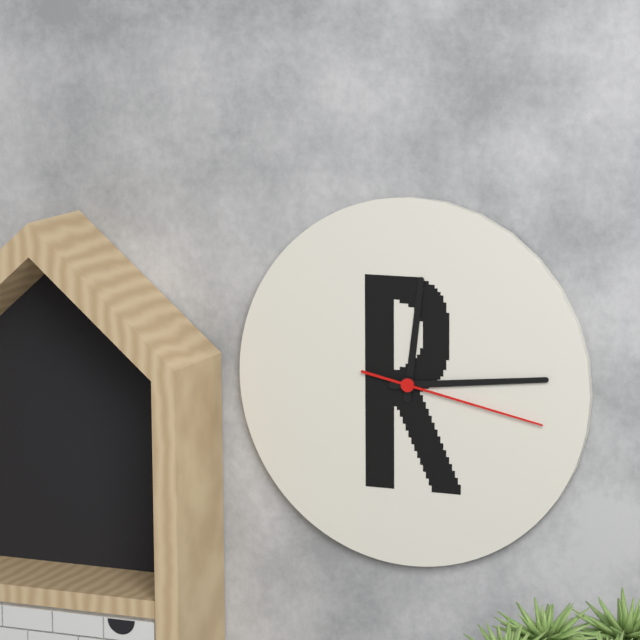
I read 12.14.17
